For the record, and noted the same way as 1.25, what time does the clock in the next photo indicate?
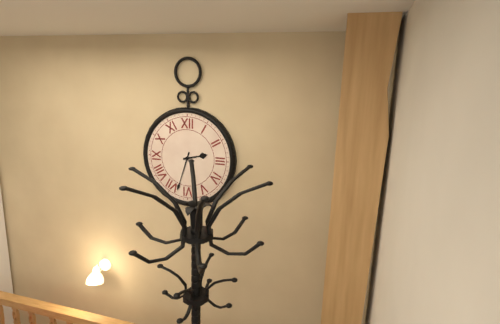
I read 2.33
